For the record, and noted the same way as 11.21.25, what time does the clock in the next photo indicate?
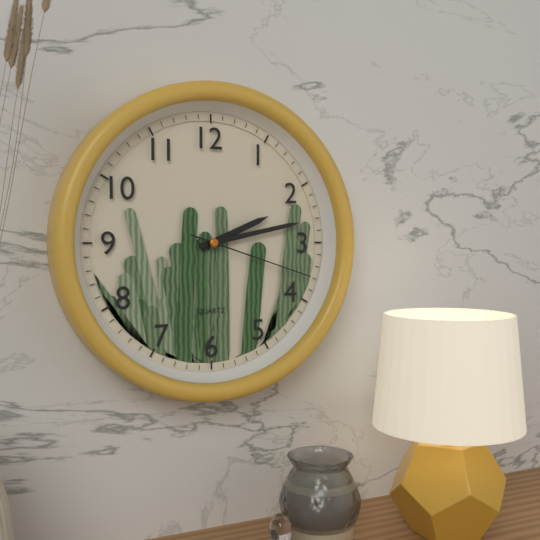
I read 2.13.18
